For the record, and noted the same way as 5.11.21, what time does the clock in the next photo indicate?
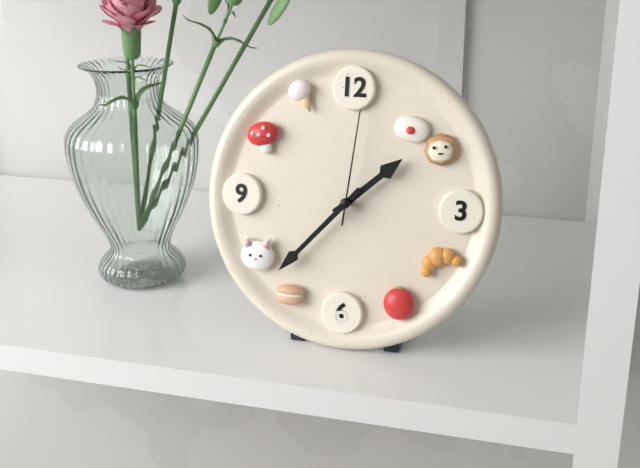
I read 1.37.01
